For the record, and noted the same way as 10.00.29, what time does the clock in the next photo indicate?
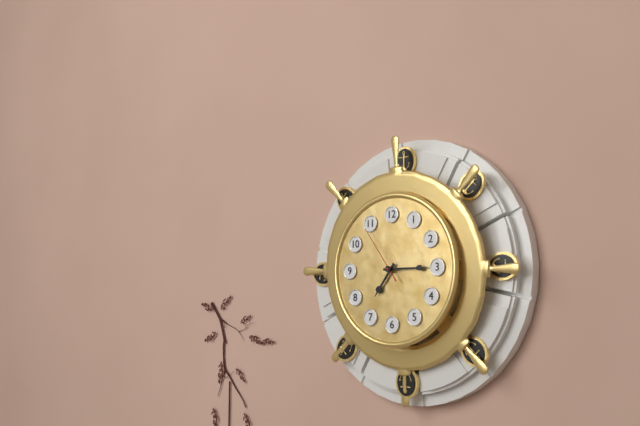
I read 7.15.54
